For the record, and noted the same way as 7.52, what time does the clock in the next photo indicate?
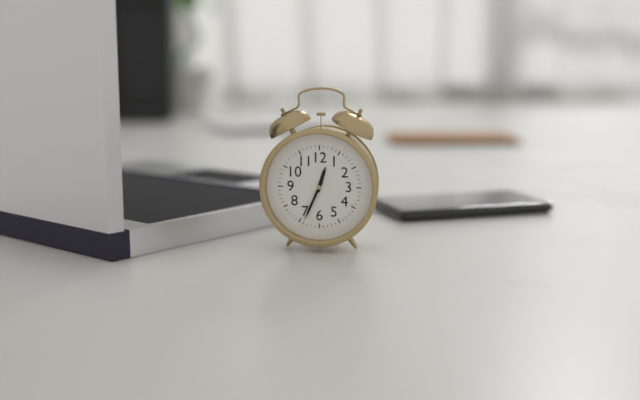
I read 12.34
